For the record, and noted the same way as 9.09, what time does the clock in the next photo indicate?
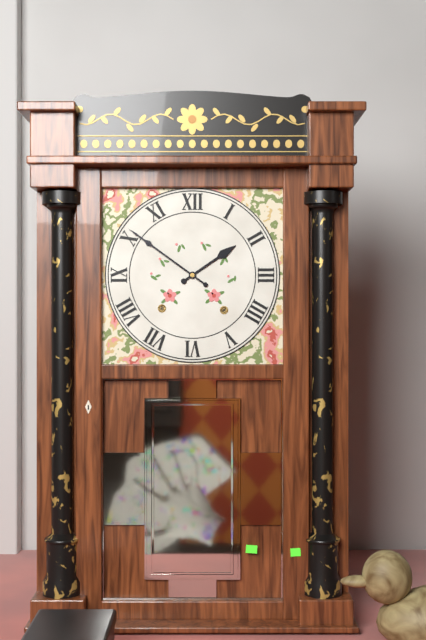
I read 1.51
